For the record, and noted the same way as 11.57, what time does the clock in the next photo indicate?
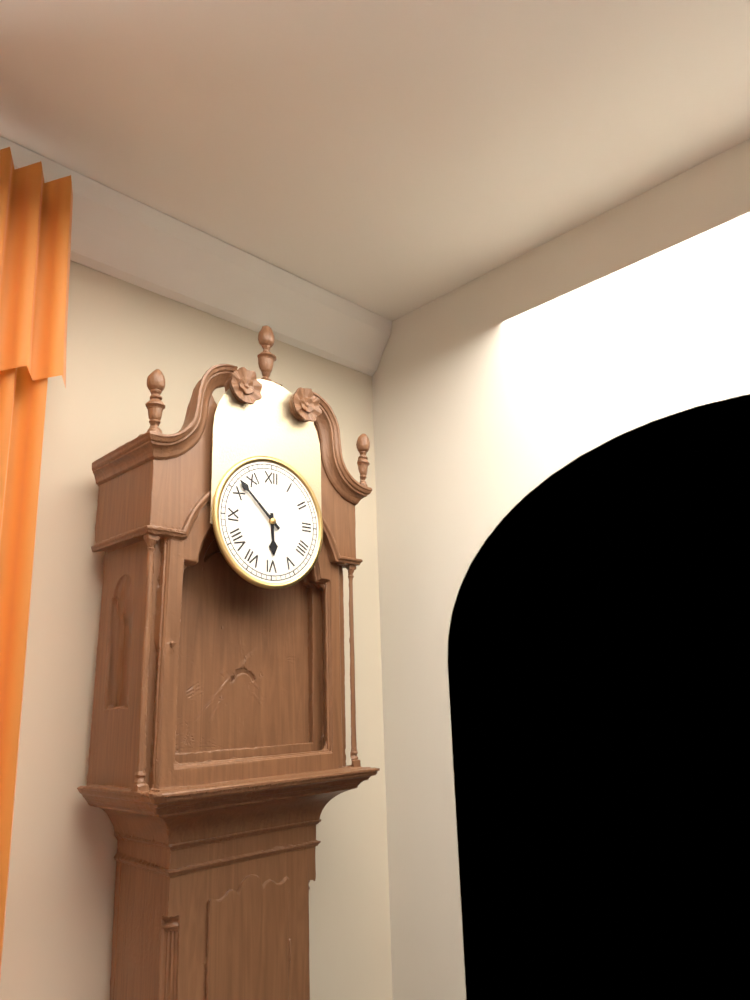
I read 5.52
